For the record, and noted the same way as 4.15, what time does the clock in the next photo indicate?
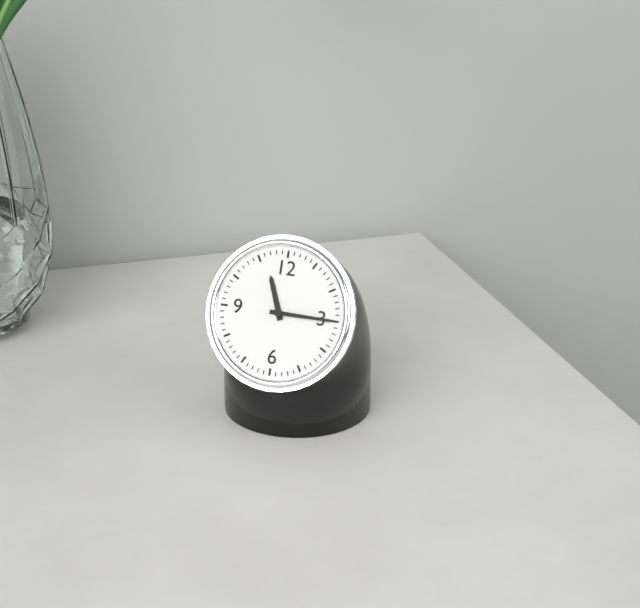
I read 11.15
